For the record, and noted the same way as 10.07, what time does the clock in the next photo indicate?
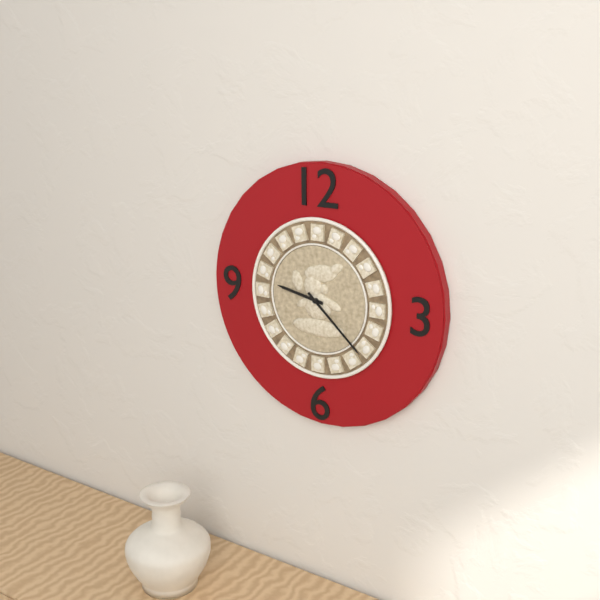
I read 9.22
